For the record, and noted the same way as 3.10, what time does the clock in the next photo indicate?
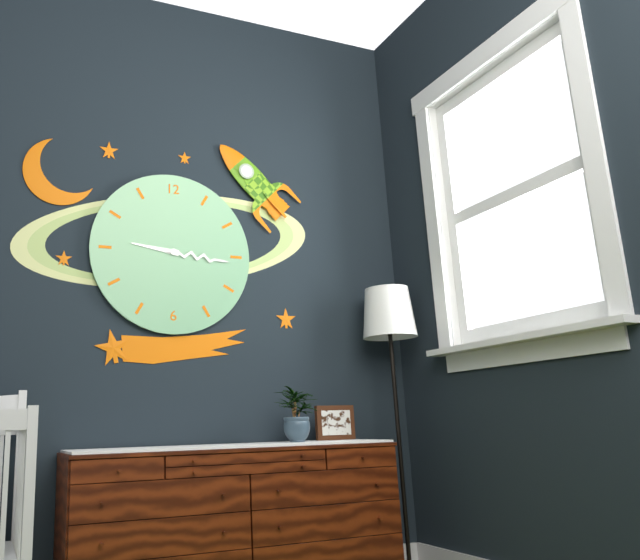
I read 9.16
